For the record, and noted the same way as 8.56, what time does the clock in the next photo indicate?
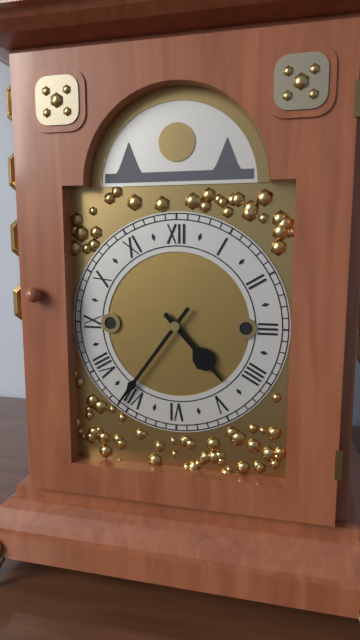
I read 4.36
